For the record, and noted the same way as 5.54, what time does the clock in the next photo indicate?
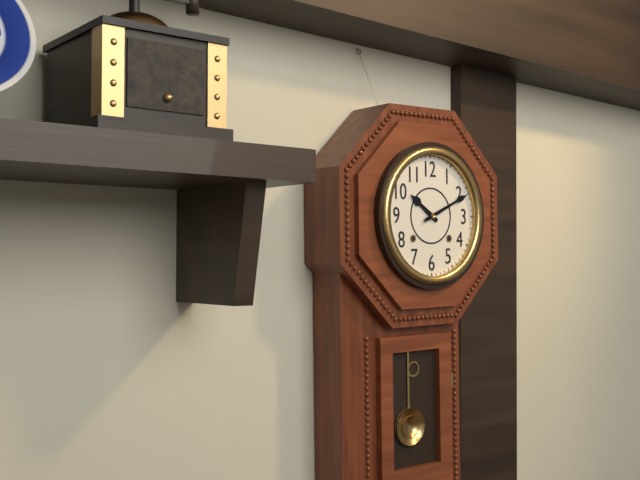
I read 10.11
